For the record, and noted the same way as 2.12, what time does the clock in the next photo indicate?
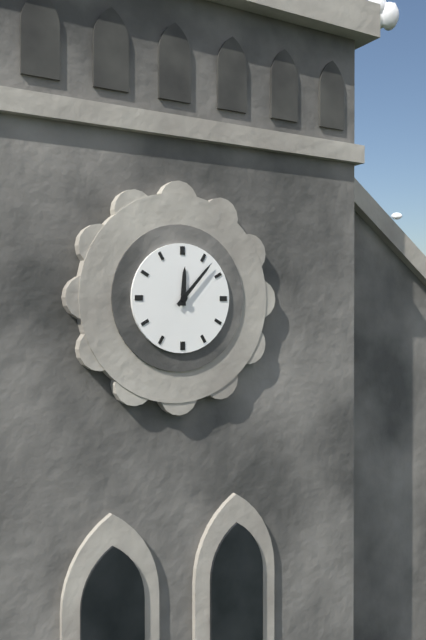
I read 12.07
